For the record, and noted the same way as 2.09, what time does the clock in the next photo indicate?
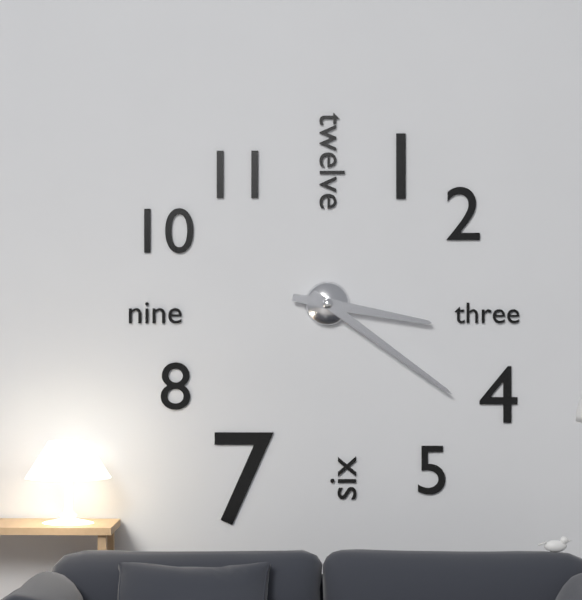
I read 3.21
